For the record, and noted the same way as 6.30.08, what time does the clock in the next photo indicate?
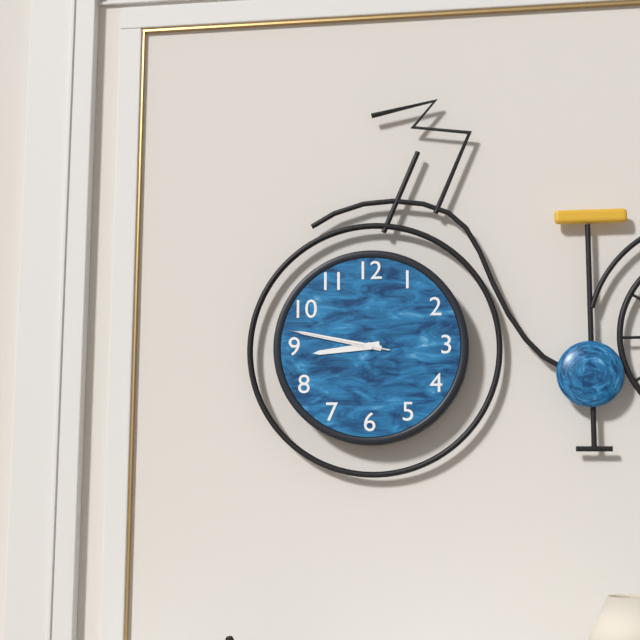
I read 8.47.47
